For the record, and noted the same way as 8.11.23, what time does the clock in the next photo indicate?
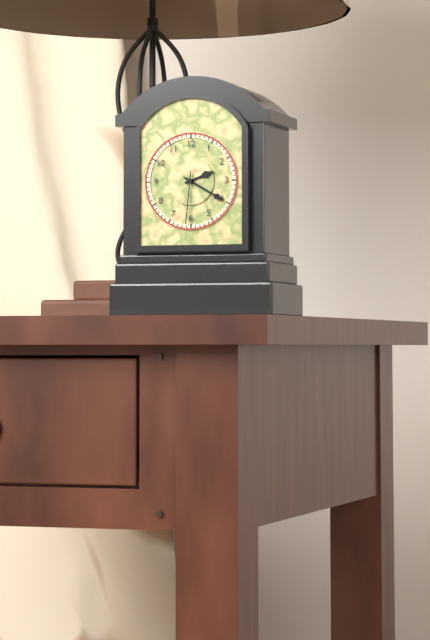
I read 2.20.31
